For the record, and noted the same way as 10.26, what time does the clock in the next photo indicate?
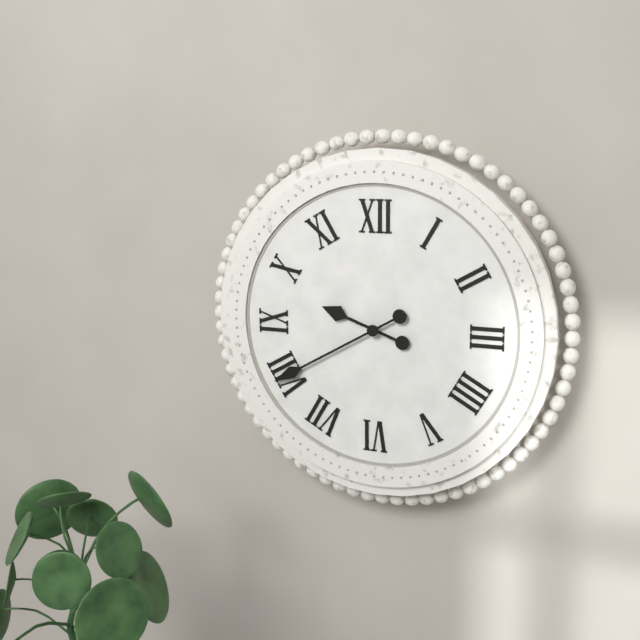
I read 9.40
